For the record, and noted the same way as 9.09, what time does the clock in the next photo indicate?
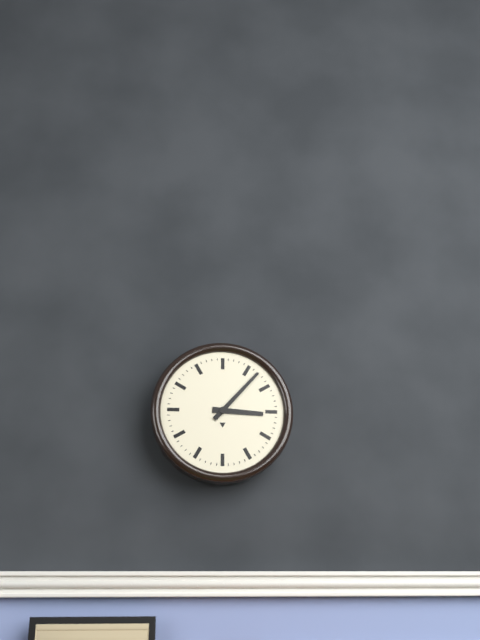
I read 3.07
